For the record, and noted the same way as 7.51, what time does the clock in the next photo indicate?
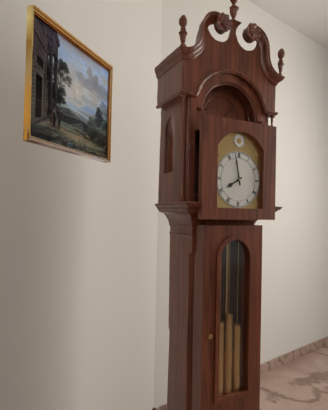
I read 7.58
